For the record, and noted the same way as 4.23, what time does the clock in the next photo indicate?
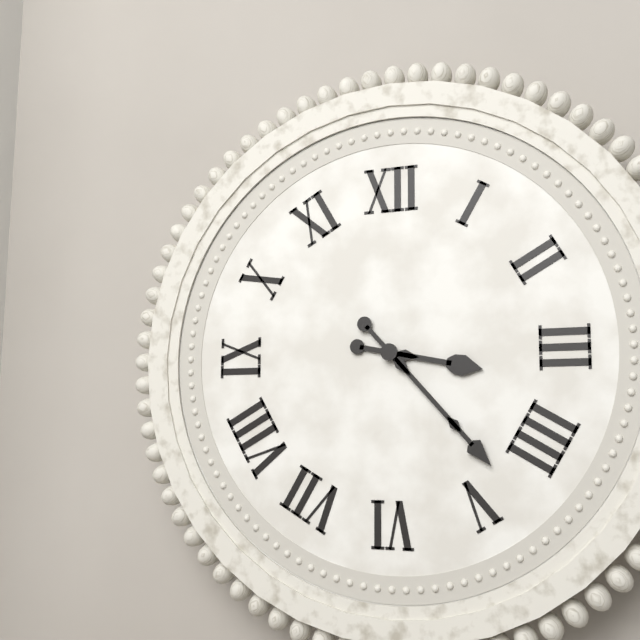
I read 3.23
